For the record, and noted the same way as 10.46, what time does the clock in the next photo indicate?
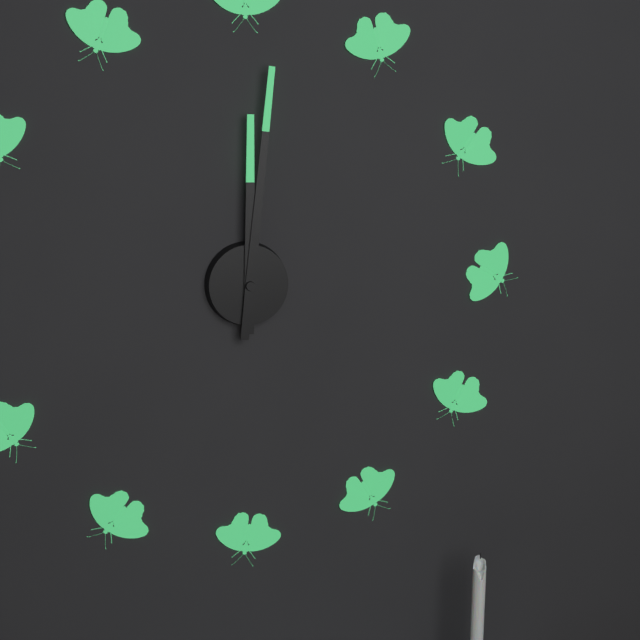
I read 12.01
